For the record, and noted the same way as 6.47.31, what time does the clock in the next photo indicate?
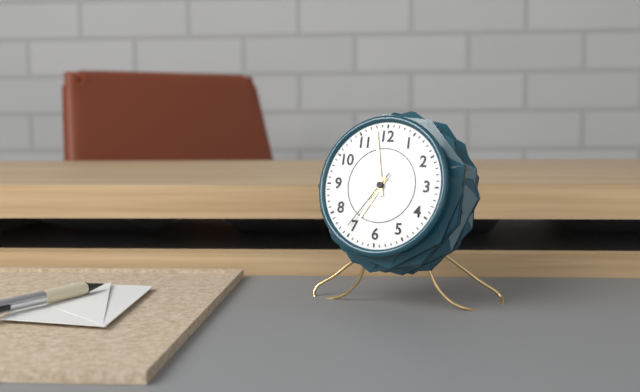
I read 6.58.36
